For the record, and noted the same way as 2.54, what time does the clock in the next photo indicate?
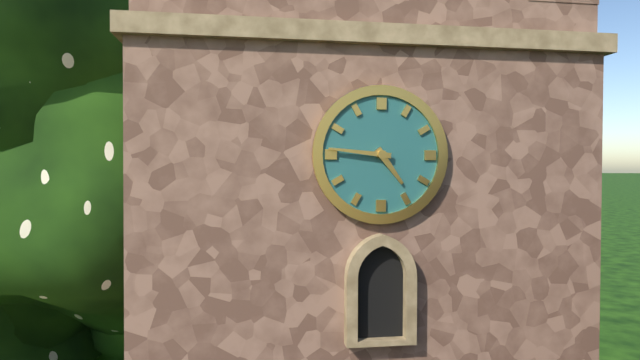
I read 4.46
